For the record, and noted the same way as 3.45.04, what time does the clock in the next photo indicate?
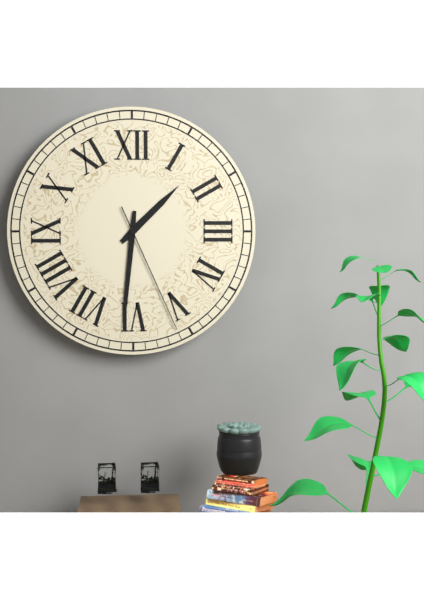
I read 1.31.26
